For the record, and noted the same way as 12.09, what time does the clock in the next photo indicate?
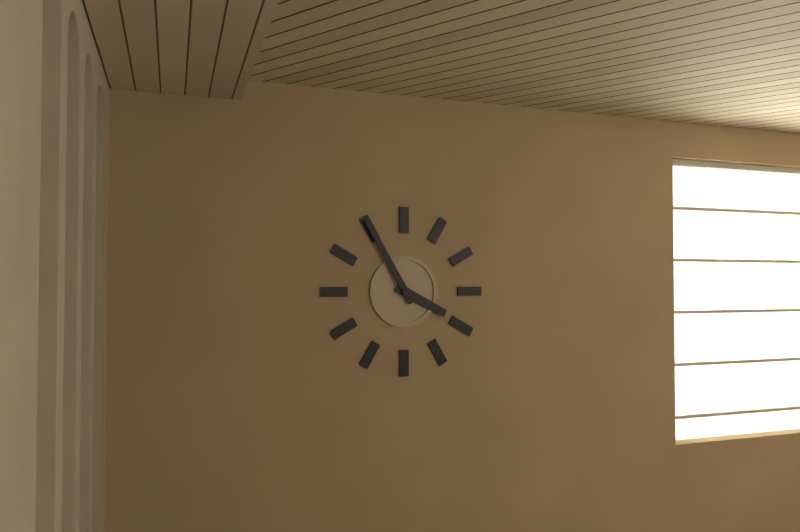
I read 3.55
